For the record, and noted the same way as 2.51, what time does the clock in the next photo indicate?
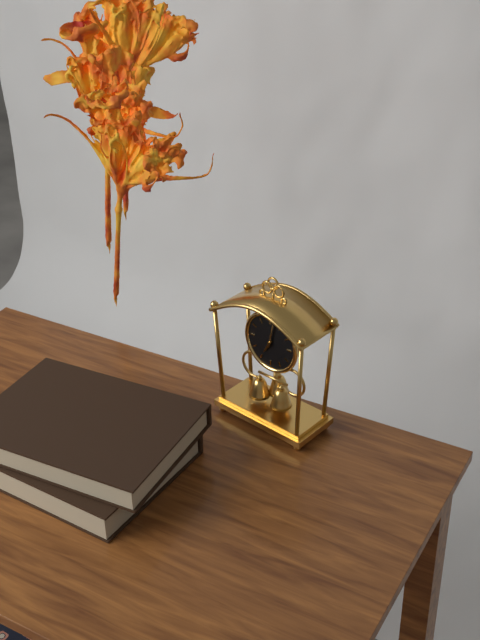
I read 7.02
